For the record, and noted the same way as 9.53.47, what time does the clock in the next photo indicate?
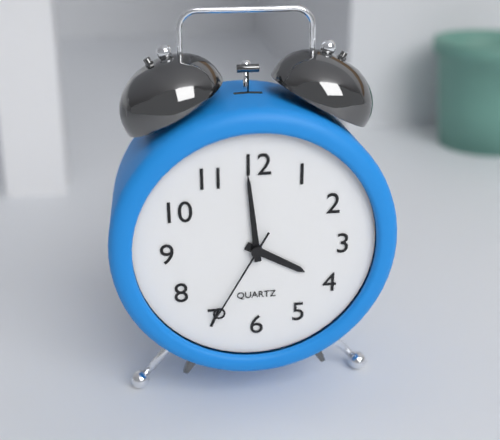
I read 3.59.35
